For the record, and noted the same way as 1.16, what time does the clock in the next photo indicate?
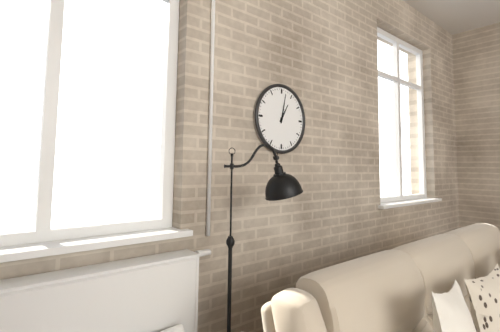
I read 1.02
